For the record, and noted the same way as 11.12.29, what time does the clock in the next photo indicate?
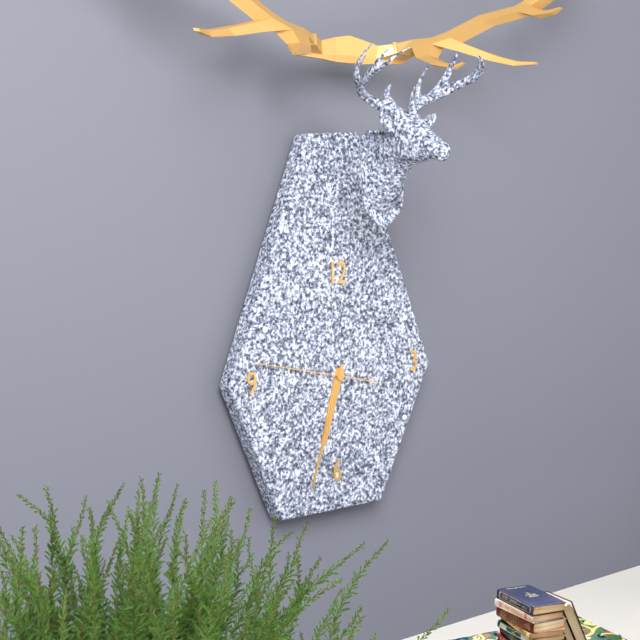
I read 6.33.47
